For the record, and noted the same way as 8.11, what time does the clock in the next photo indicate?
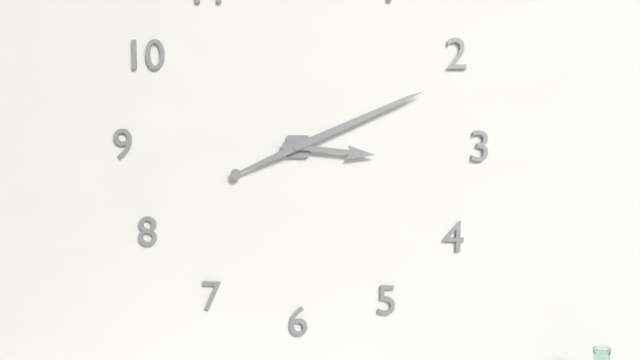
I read 3.11
